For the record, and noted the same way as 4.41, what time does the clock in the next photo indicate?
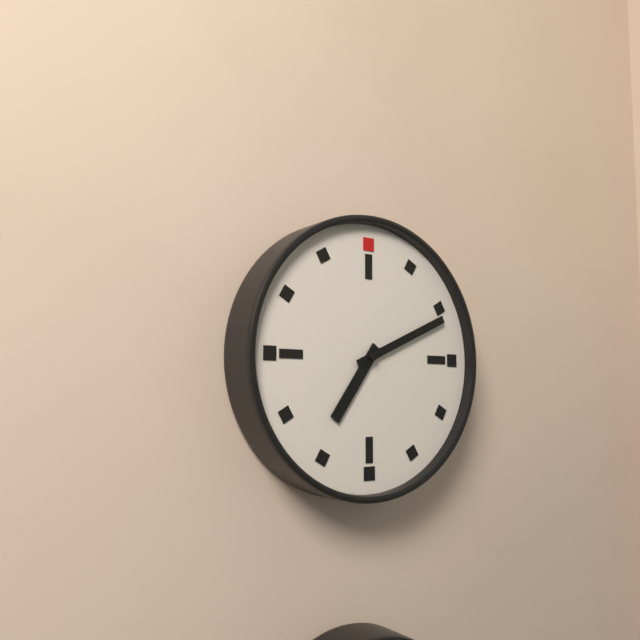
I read 7.11
